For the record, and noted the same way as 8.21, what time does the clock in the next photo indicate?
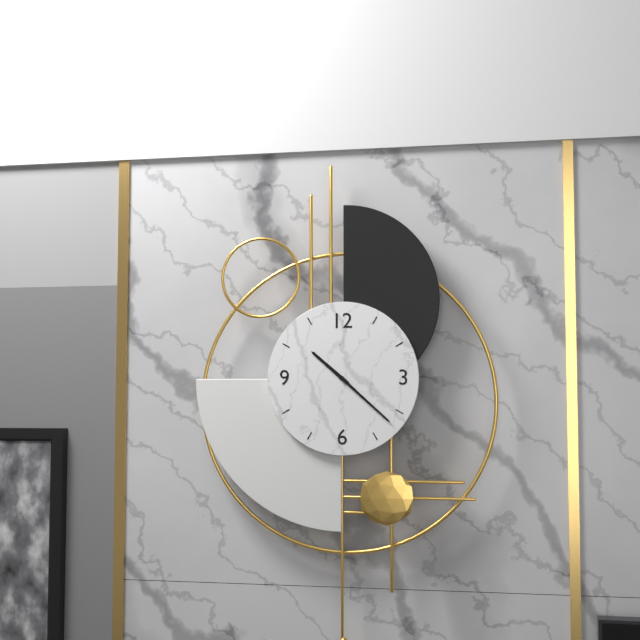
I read 10.22
